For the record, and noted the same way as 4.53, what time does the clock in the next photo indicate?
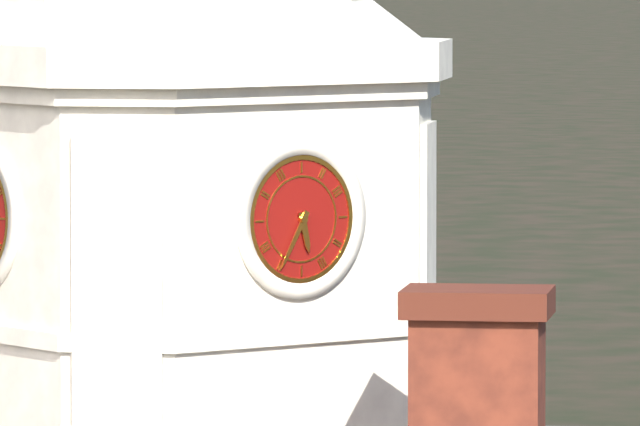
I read 5.35
